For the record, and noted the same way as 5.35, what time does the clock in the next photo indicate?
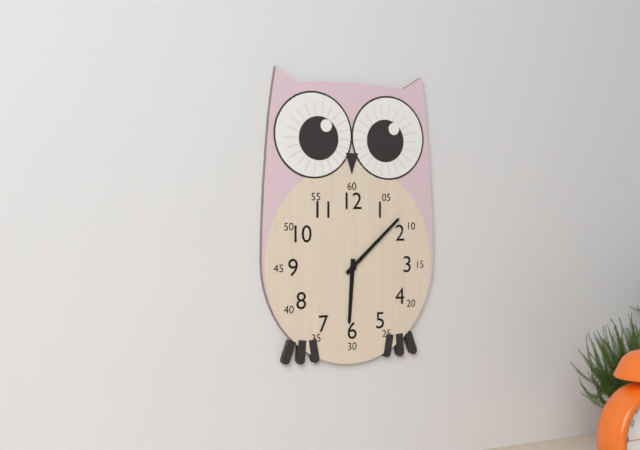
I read 6.08
